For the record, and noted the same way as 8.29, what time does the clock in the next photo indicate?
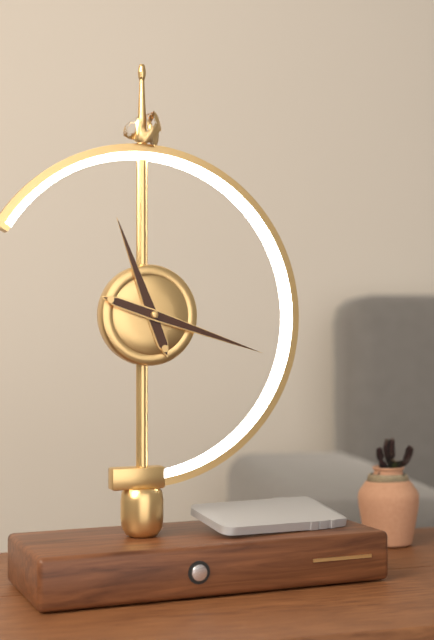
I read 11.18
